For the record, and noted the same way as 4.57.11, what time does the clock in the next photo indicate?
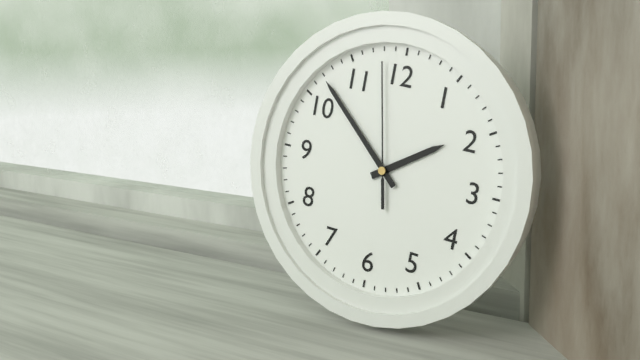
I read 1.52.58
